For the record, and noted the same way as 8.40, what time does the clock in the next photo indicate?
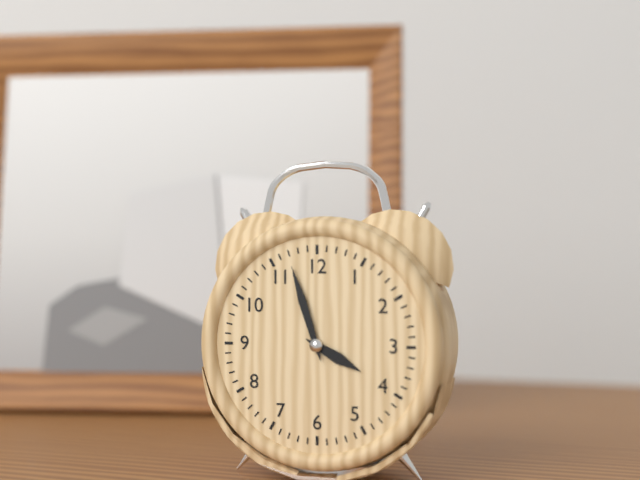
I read 3.57
